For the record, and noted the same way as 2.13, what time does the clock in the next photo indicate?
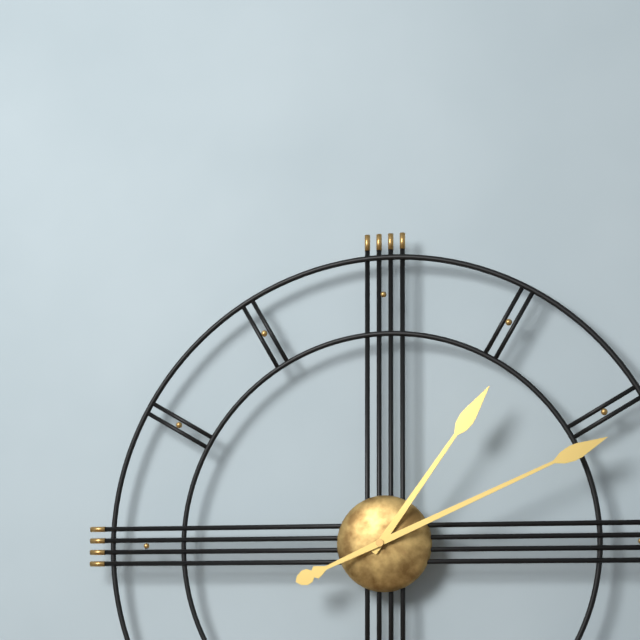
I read 1.11
